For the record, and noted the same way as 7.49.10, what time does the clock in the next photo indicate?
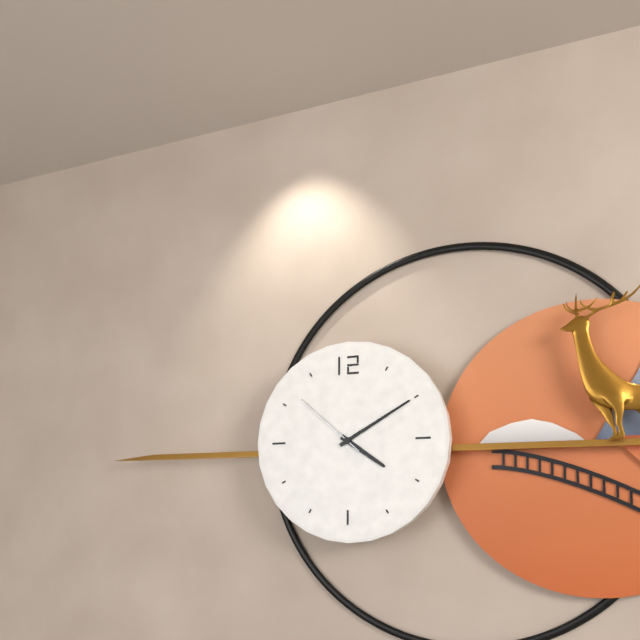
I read 4.10.52
